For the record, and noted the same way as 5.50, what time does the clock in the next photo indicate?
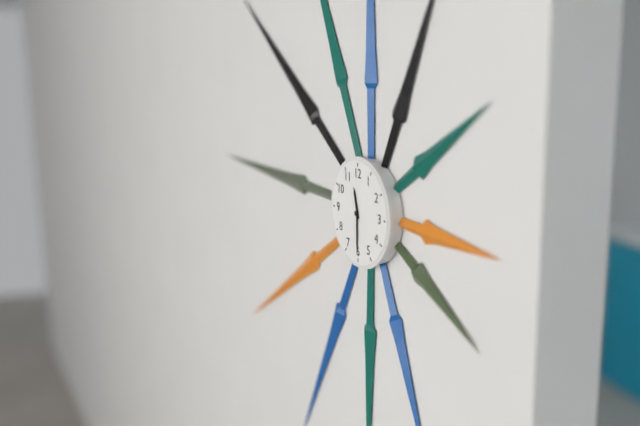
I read 11.30
